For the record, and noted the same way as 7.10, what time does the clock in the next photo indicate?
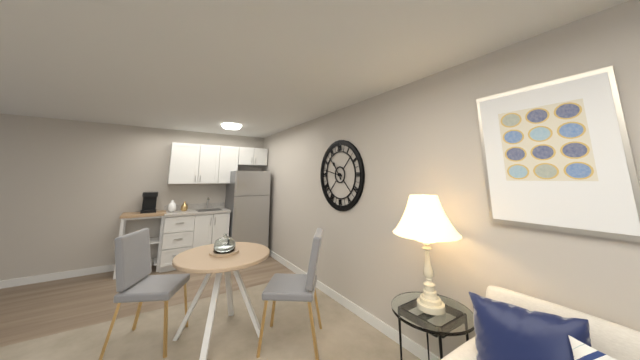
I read 10.47
